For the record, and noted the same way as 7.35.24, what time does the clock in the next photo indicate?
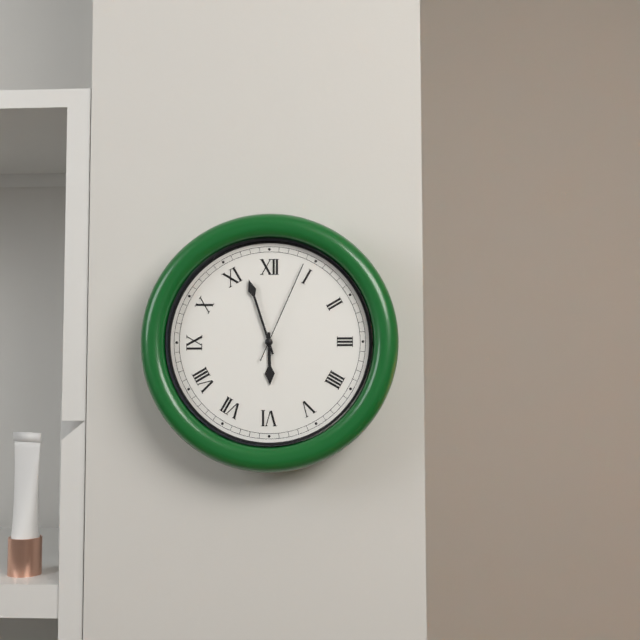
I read 5.57.04
